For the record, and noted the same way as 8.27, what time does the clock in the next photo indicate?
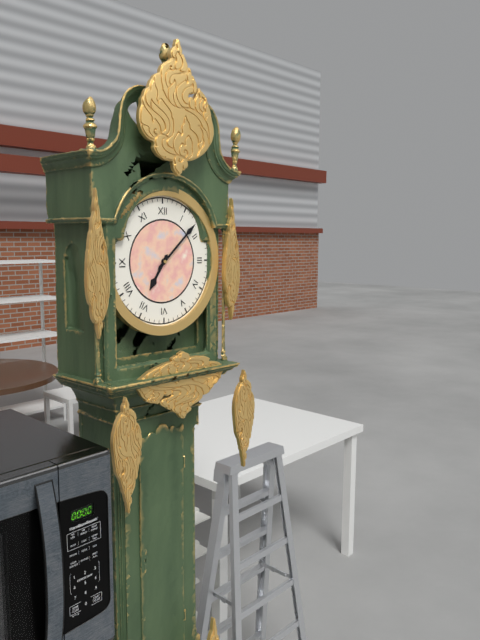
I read 7.08
